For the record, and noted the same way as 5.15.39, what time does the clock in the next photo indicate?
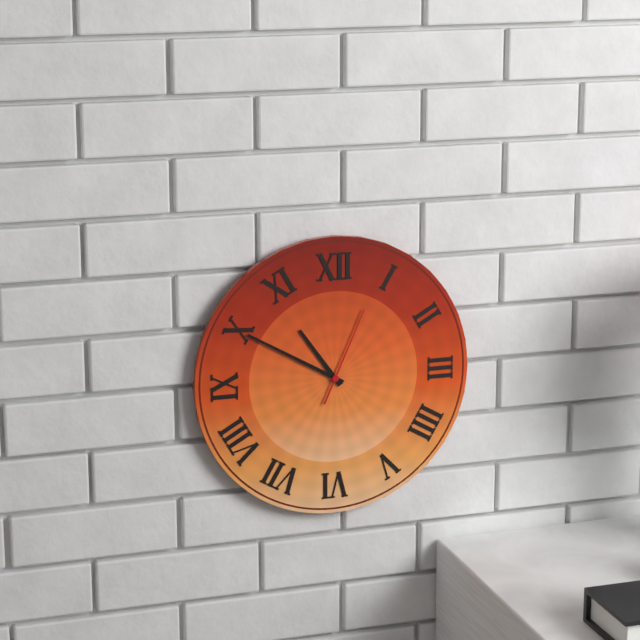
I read 10.50.04
